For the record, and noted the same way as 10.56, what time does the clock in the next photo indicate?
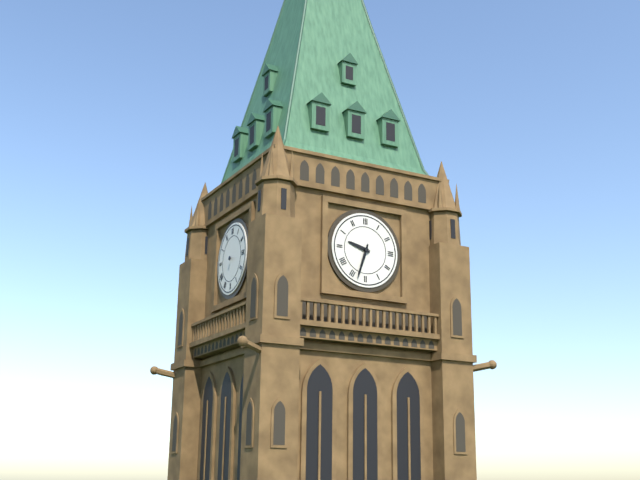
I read 9.33
